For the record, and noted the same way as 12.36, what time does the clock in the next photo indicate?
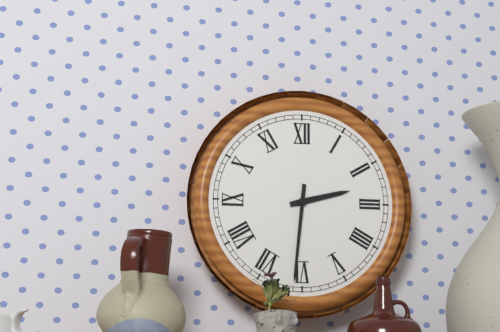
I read 2.31
